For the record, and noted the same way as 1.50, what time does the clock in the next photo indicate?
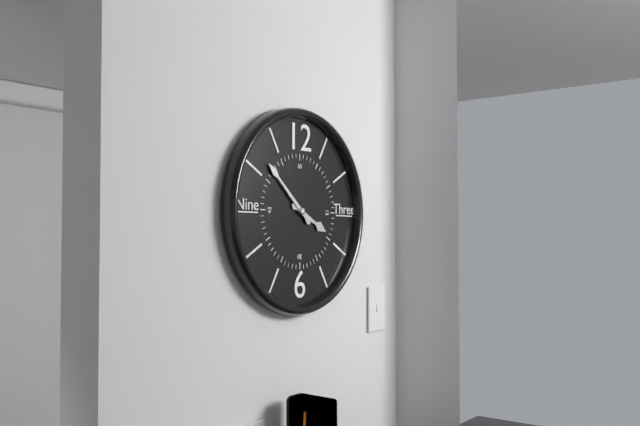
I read 3.52
